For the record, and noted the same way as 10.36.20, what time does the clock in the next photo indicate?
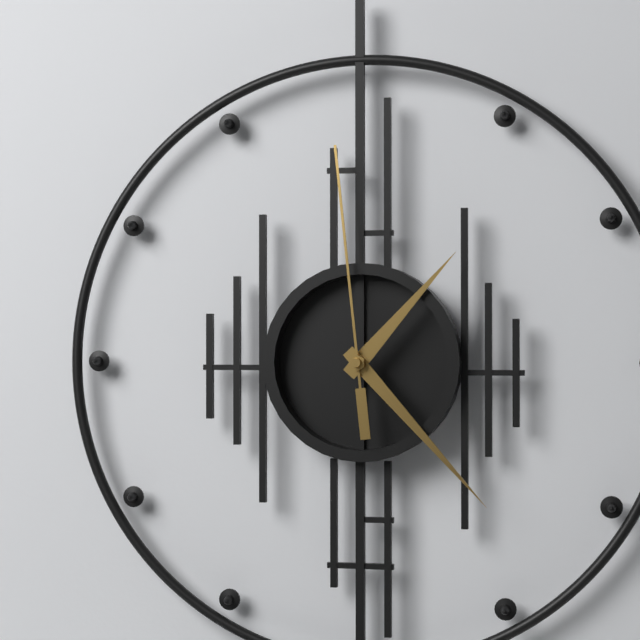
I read 1.23.59
